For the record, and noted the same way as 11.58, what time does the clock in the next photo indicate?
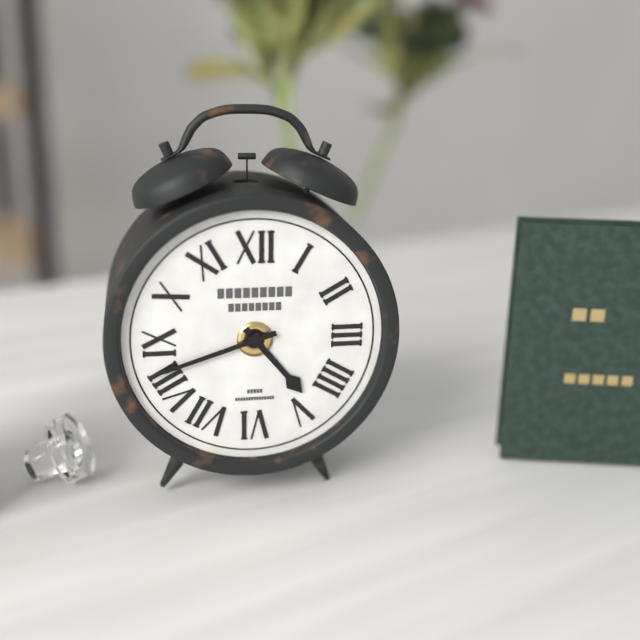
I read 4.42
